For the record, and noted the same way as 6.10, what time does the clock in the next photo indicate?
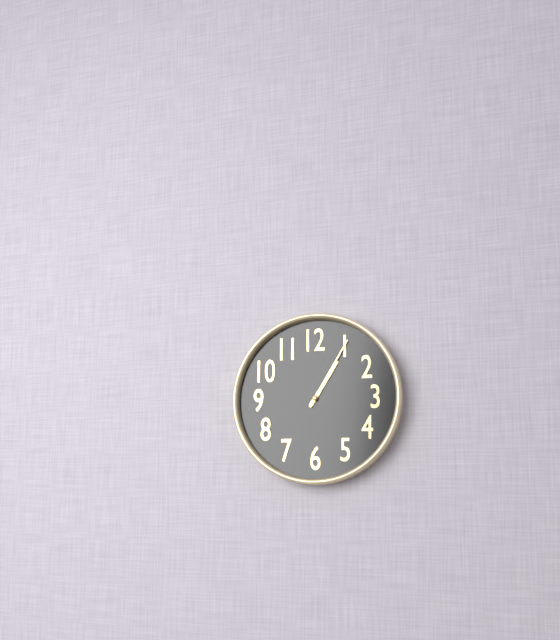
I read 1.05
